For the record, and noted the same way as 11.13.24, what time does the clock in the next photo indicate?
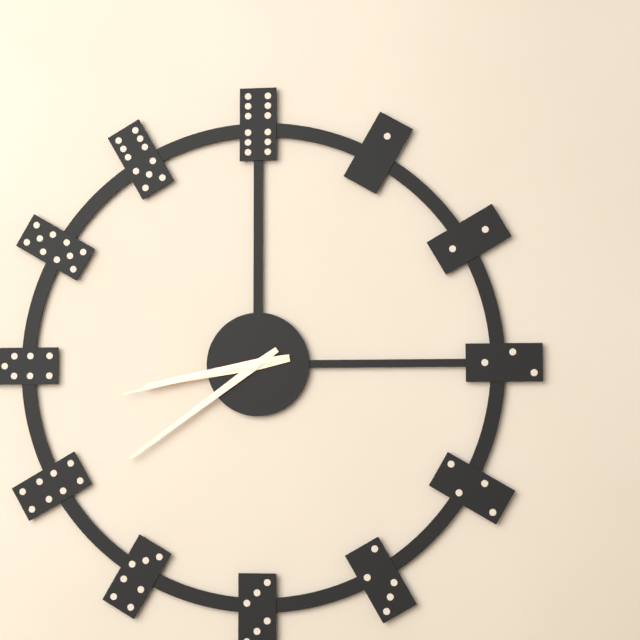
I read 8.39.43
